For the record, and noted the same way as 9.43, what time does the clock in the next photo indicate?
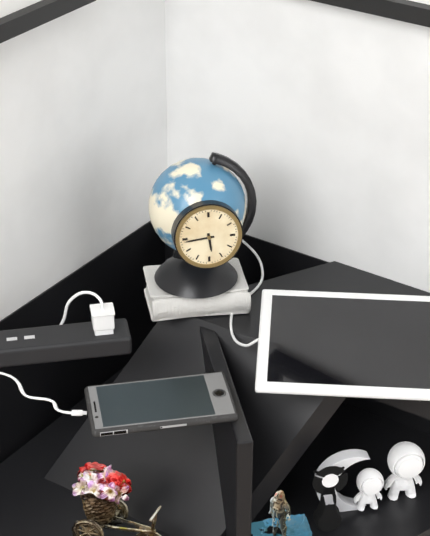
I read 5.44
